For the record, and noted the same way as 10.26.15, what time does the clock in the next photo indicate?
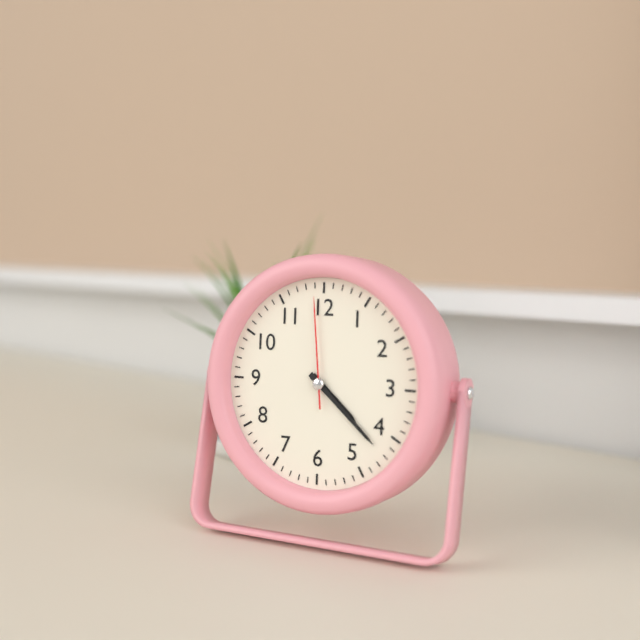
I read 4.22.59
